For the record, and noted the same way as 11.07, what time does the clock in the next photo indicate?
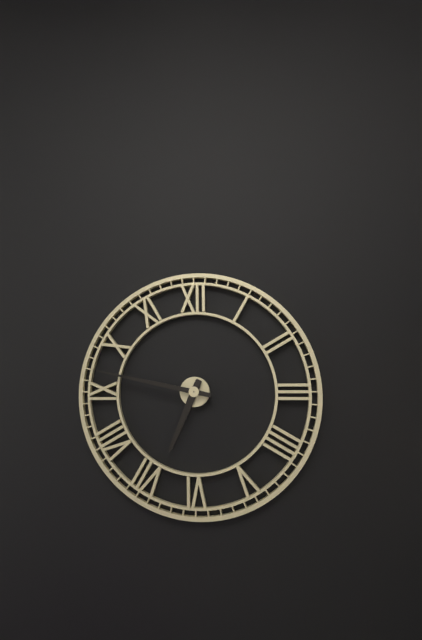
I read 6.47
